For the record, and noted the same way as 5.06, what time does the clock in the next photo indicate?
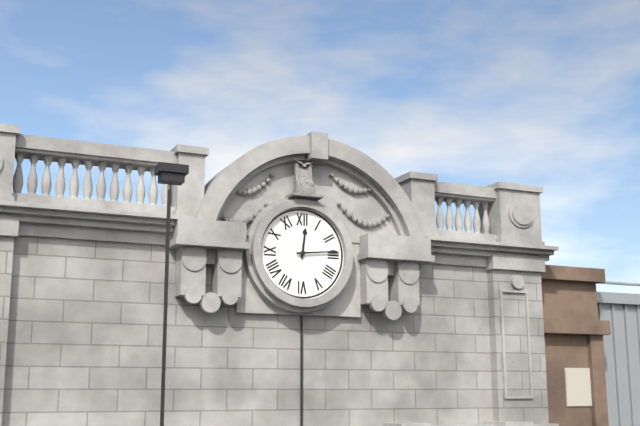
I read 12.14
